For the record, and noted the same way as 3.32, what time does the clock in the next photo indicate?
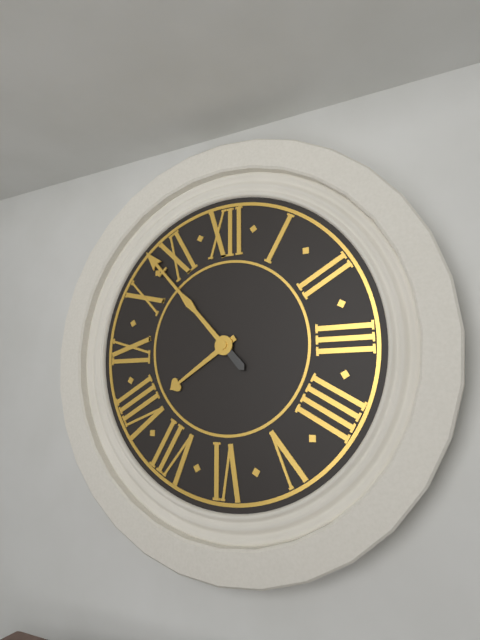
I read 7.53
